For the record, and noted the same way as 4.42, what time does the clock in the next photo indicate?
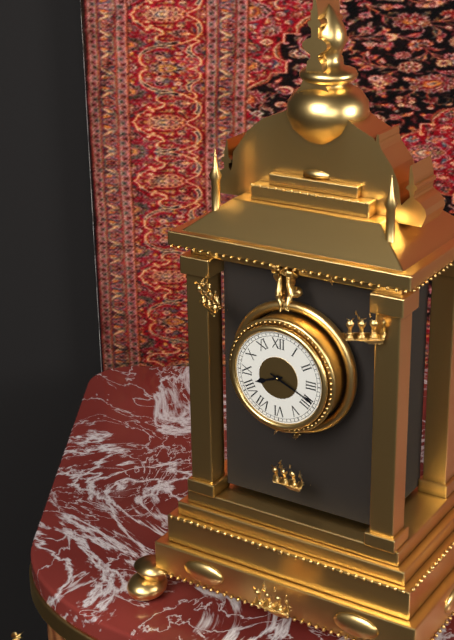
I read 8.19
